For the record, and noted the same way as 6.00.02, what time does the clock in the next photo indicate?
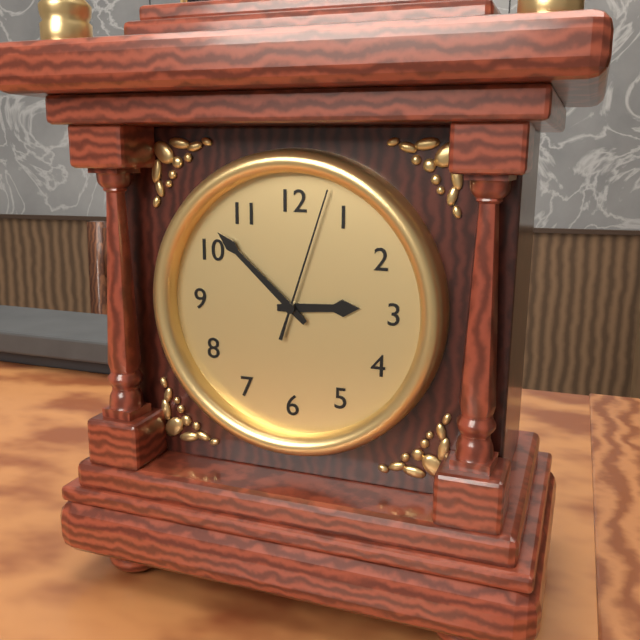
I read 2.52.03
